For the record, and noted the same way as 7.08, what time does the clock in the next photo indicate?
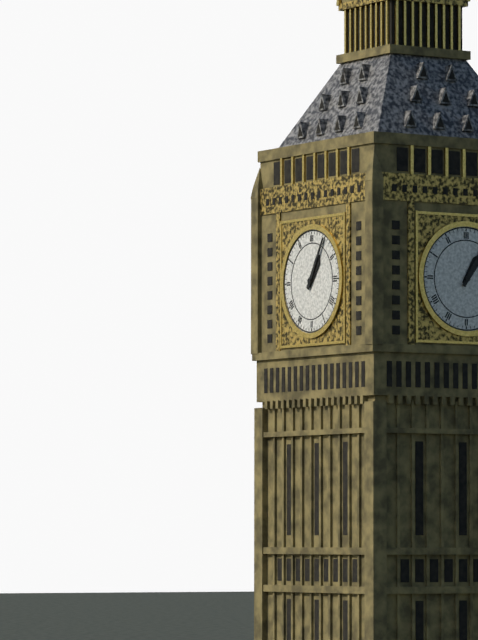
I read 1.05
